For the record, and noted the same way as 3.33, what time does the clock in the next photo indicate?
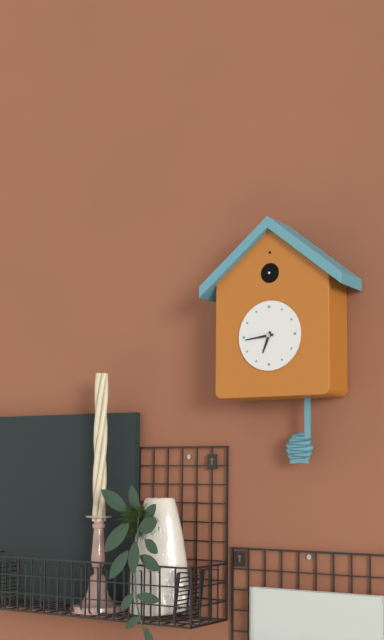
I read 6.44
